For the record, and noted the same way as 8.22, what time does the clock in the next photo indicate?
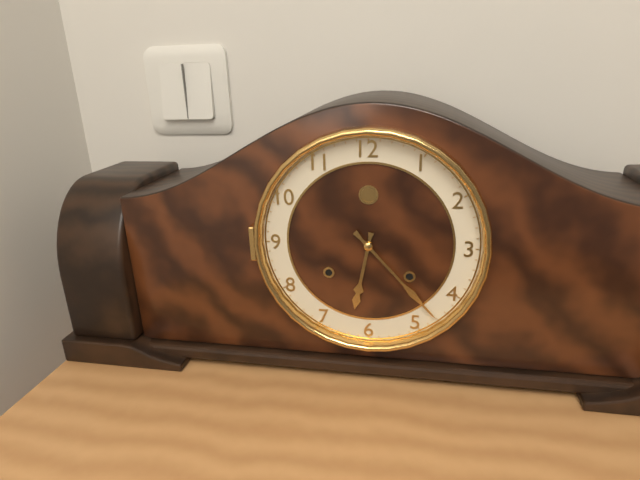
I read 6.23
